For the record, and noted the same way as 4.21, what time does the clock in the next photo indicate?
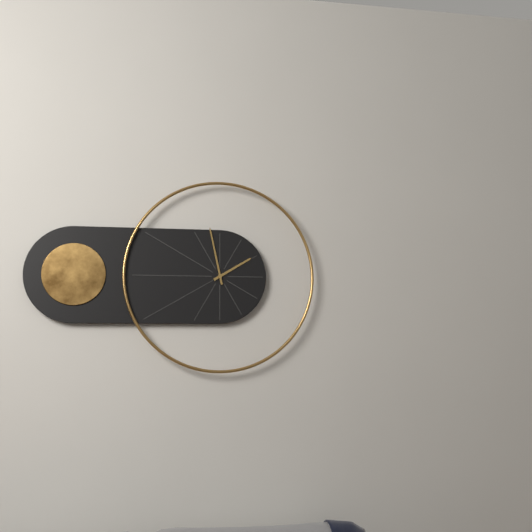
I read 1.58
